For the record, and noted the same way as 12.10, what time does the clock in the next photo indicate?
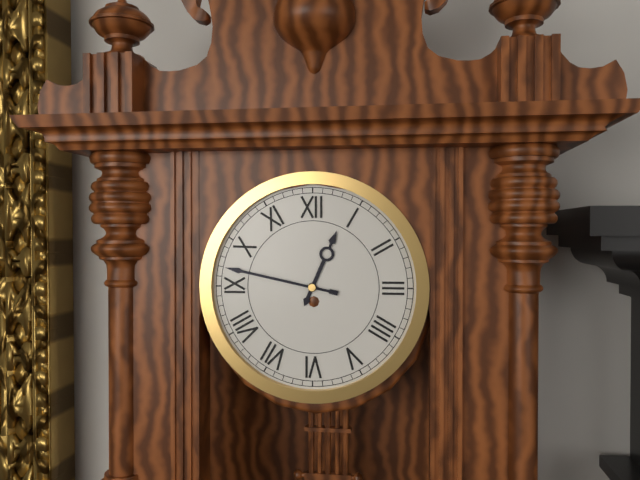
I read 12.47
